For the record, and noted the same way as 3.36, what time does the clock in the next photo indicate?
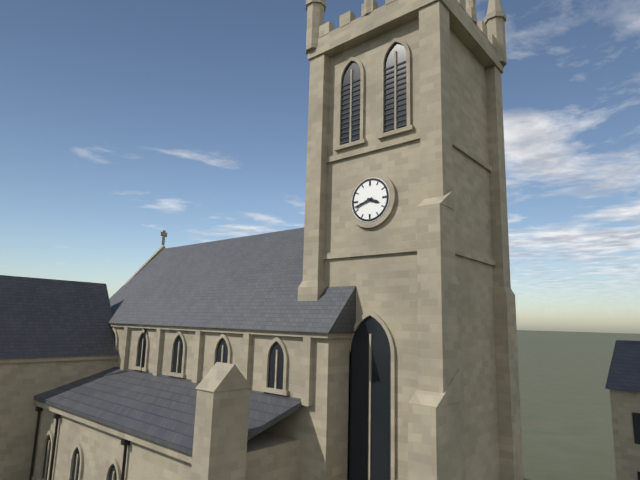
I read 3.42
